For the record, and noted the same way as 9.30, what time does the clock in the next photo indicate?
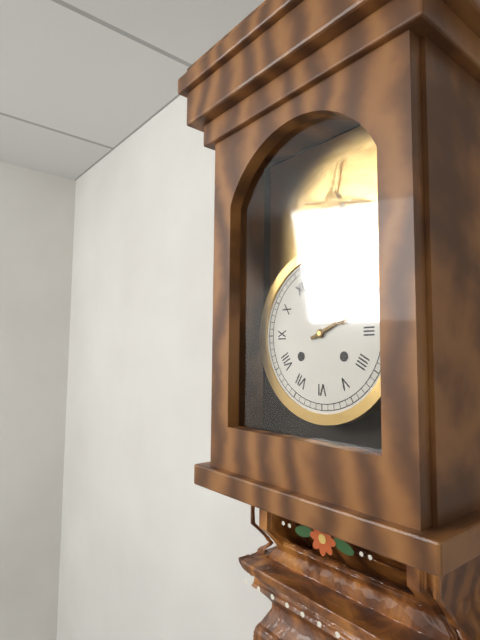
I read 2.11
